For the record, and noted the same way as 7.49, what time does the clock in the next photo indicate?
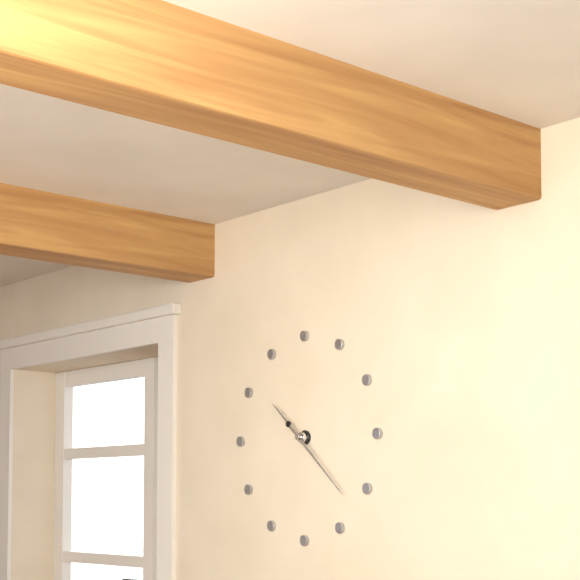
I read 10.22
